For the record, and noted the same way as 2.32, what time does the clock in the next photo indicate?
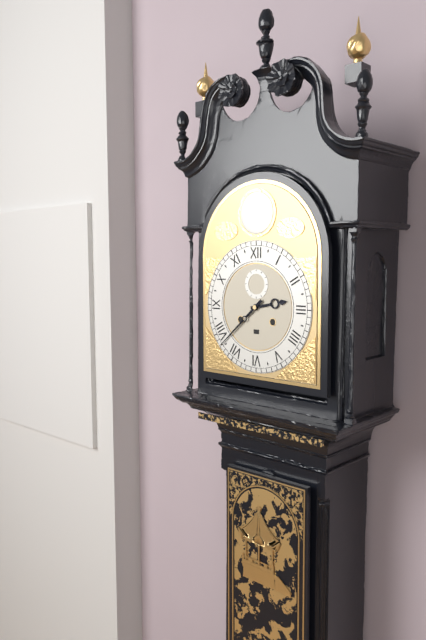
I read 2.38
